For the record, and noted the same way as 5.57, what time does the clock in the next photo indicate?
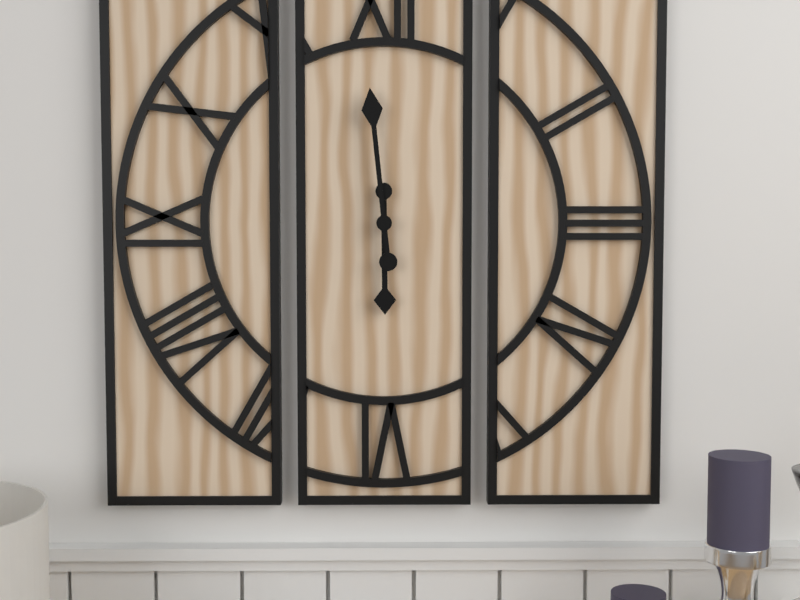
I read 5.59
